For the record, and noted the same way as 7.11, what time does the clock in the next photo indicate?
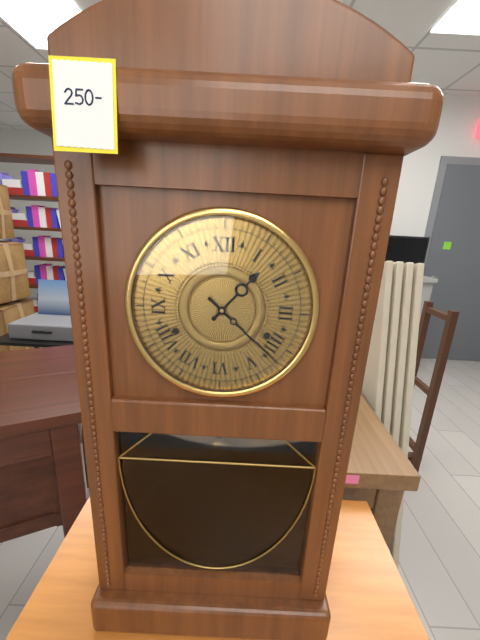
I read 1.22
